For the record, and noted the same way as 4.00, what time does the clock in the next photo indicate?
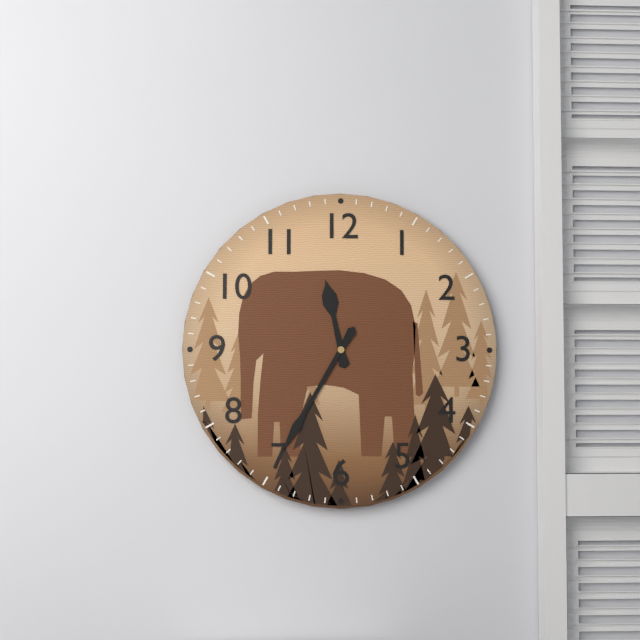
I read 11.35
